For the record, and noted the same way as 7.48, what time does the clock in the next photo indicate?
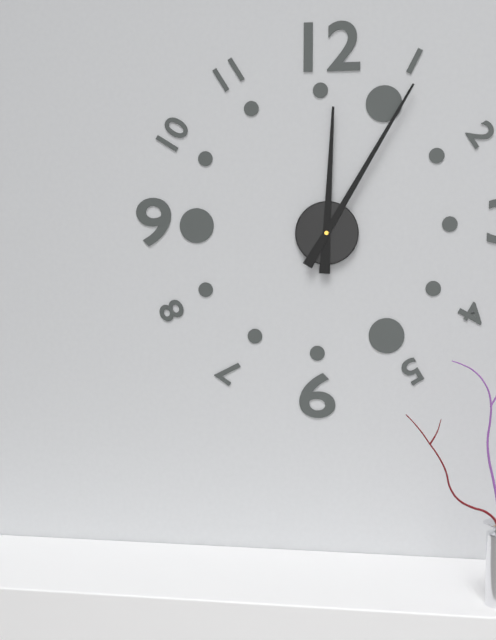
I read 12.05
